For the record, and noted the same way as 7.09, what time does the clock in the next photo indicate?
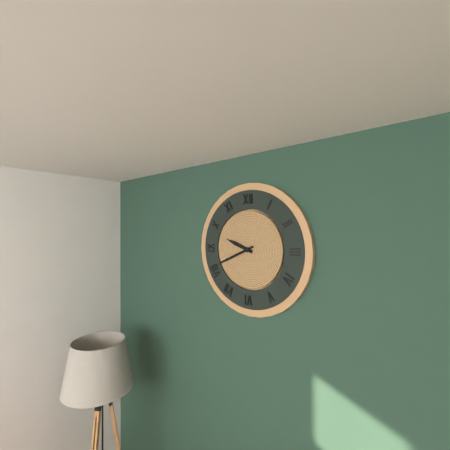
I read 9.41
